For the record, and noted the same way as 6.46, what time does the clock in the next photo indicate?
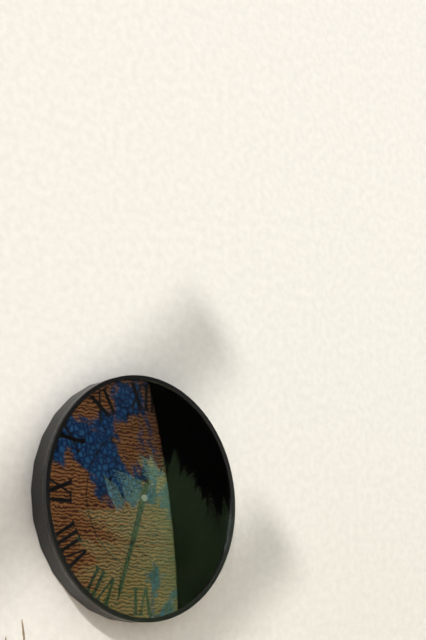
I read 6.33
